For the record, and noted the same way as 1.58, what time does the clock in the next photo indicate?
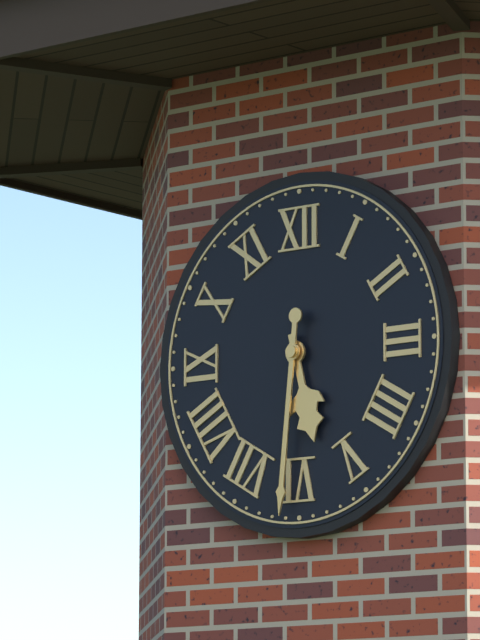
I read 5.31
